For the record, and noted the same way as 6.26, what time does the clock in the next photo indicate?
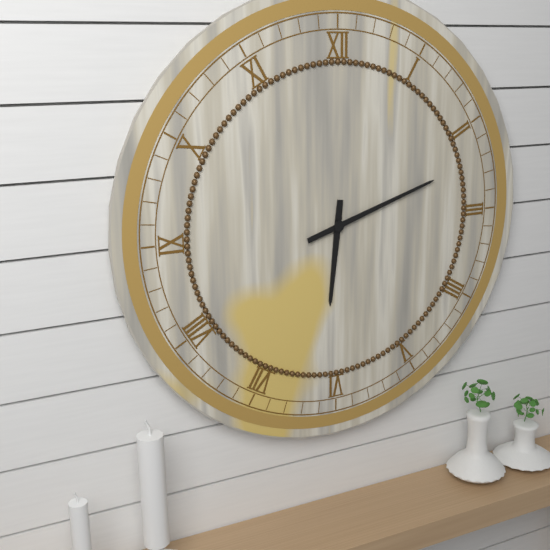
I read 6.12
